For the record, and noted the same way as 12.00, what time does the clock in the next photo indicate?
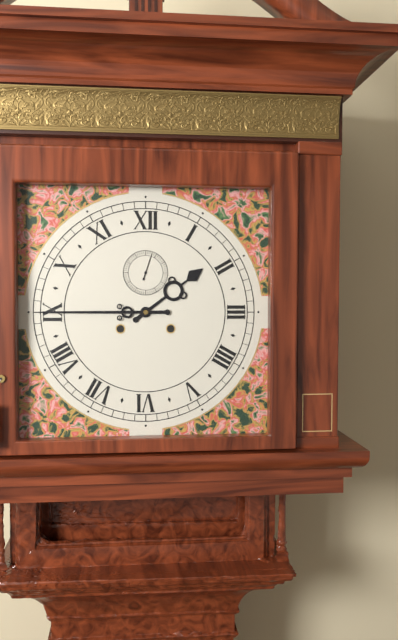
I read 1.45
